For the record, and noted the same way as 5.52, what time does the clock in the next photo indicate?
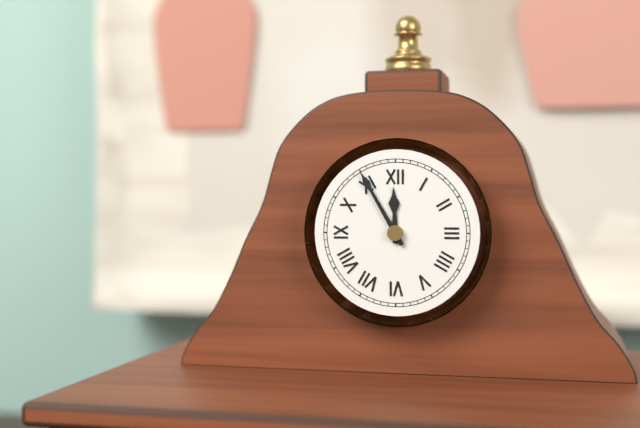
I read 11.55
